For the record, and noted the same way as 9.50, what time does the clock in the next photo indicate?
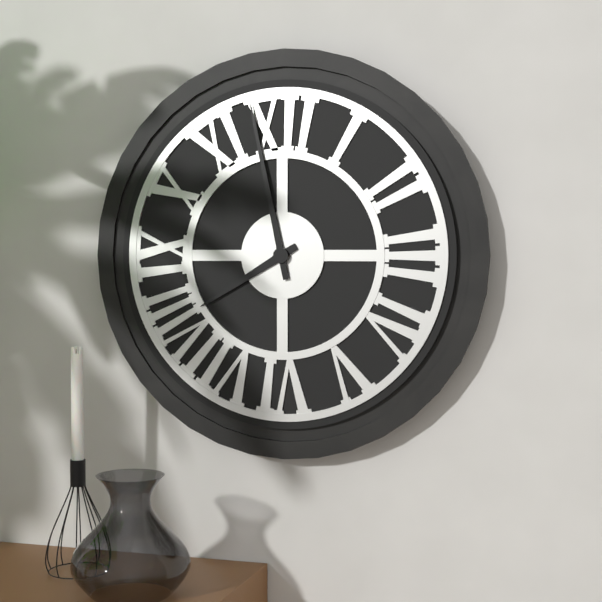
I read 7.58
